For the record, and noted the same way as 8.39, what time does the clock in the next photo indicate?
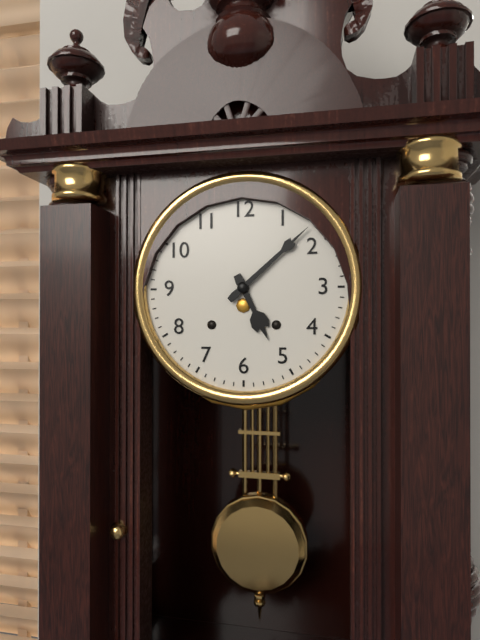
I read 5.08
